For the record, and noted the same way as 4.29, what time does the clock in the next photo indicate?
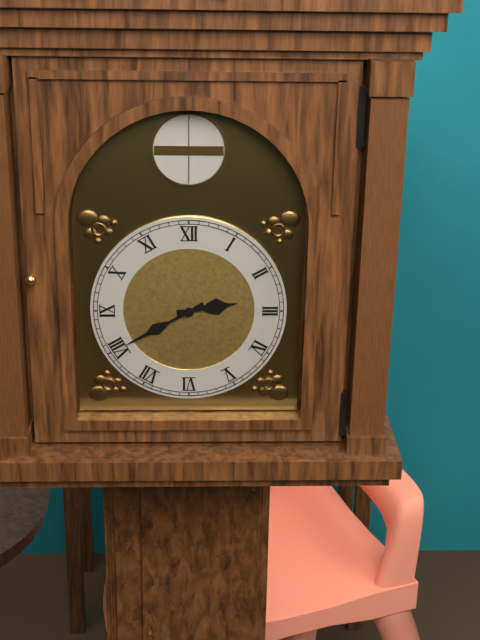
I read 2.40
